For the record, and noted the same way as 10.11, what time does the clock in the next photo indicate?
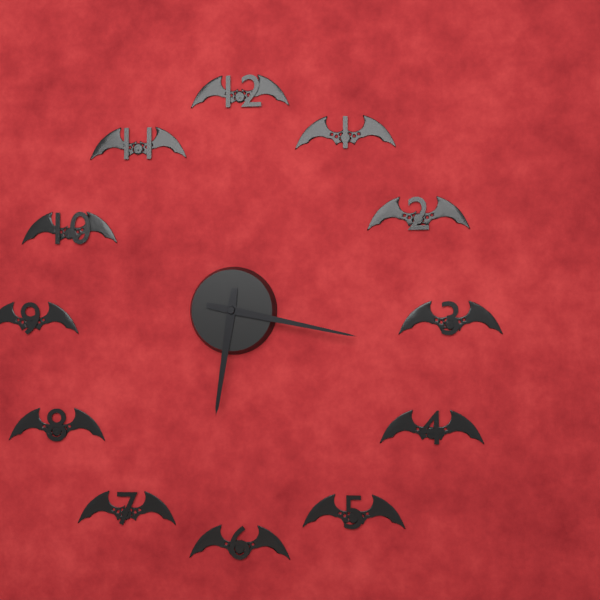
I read 6.17
